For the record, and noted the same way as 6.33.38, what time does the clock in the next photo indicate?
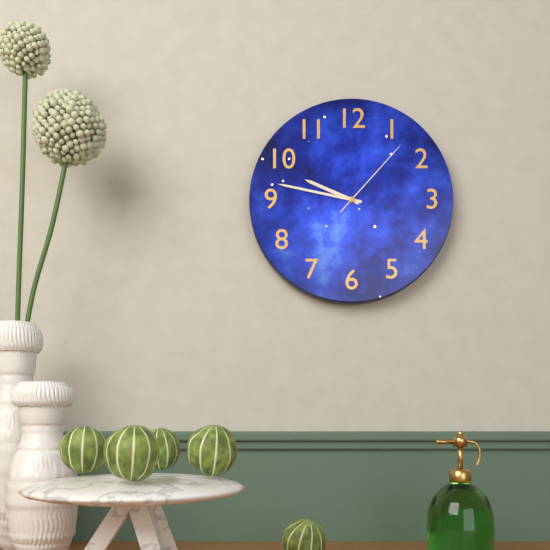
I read 9.47.07
